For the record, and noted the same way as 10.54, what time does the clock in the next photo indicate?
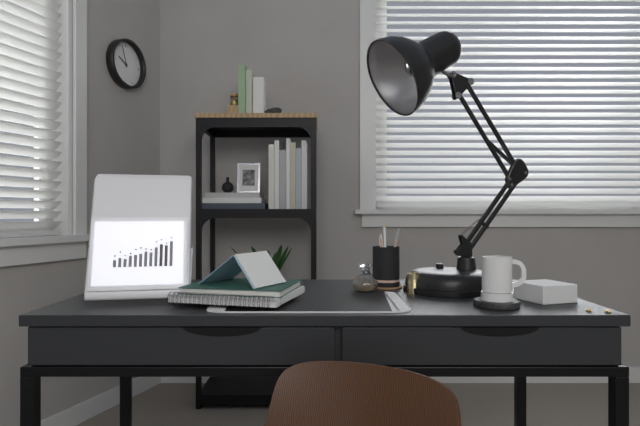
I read 9.57
